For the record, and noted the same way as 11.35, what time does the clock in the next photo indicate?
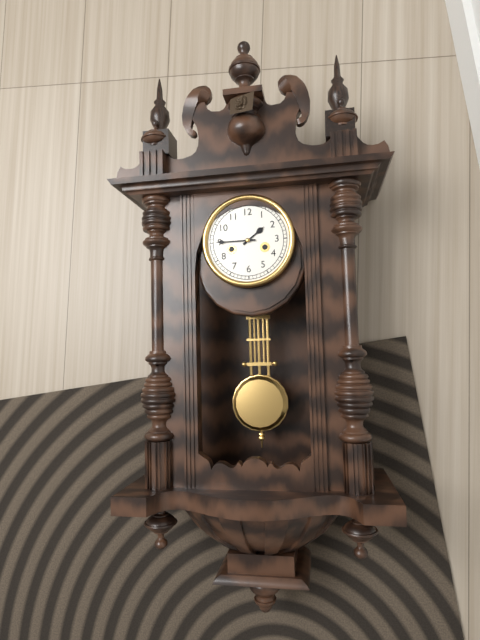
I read 1.45
